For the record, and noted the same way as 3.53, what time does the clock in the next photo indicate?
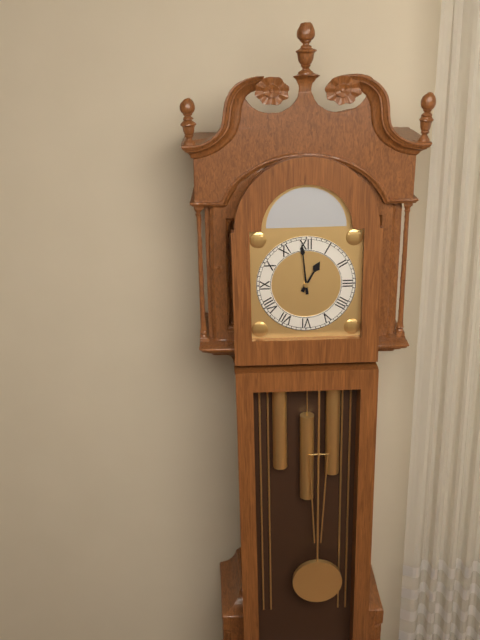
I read 12.59
